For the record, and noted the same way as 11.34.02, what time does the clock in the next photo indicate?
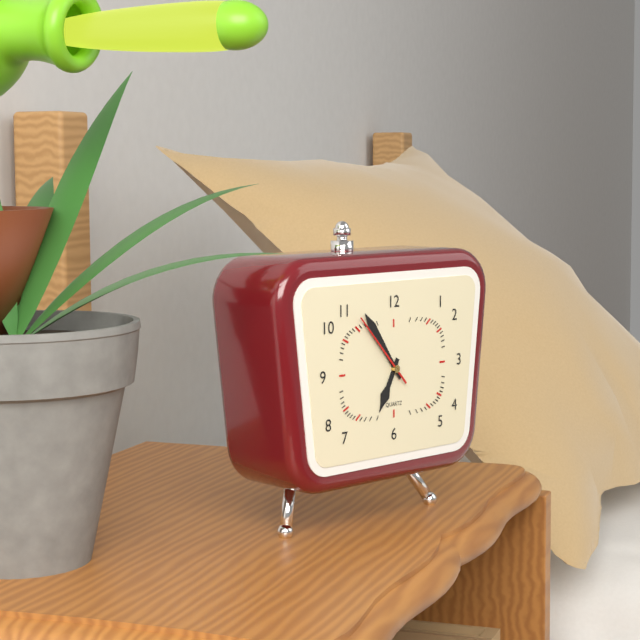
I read 6.54.53
